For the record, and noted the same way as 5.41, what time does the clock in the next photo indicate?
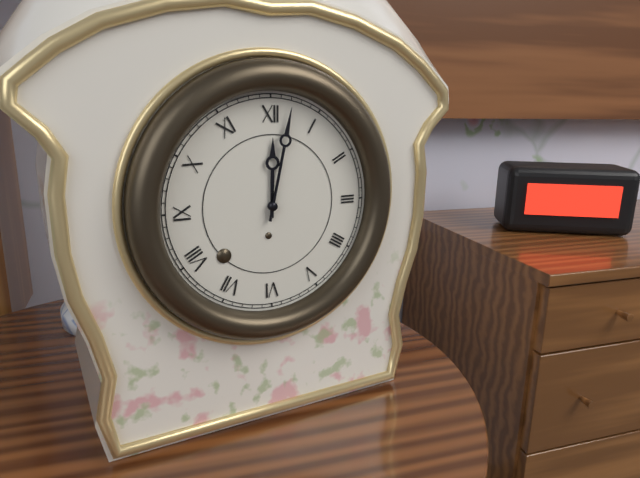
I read 12.02
